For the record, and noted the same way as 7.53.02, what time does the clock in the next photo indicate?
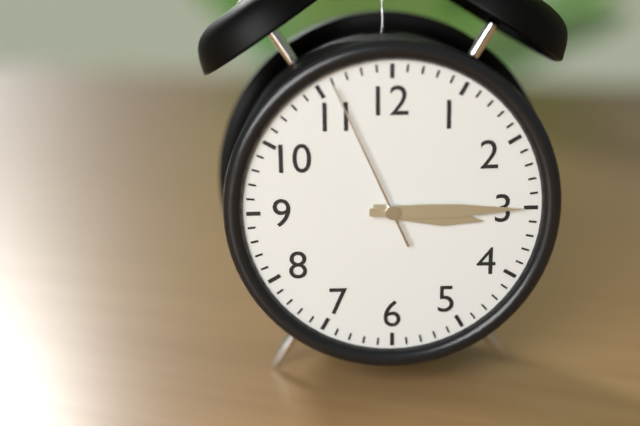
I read 3.15.56
